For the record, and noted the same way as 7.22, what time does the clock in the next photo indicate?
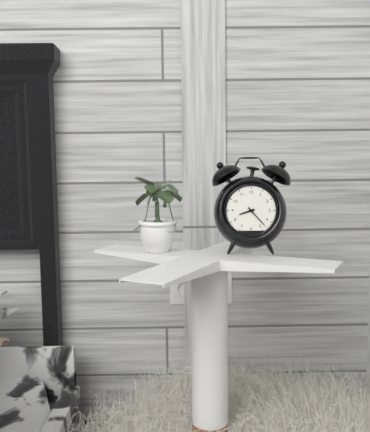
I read 8.23
